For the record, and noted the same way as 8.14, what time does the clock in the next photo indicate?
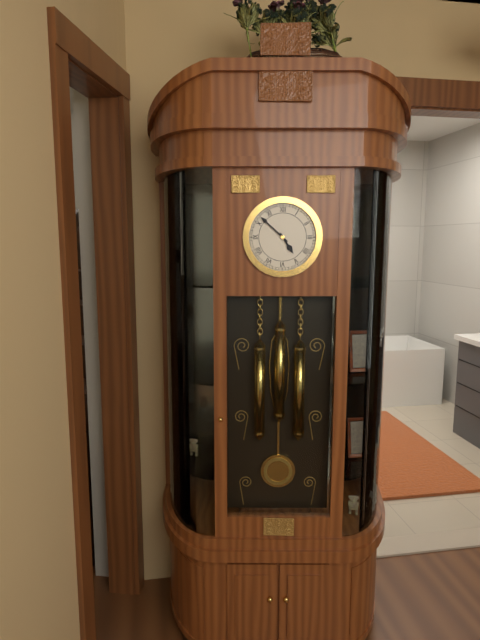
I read 4.52
